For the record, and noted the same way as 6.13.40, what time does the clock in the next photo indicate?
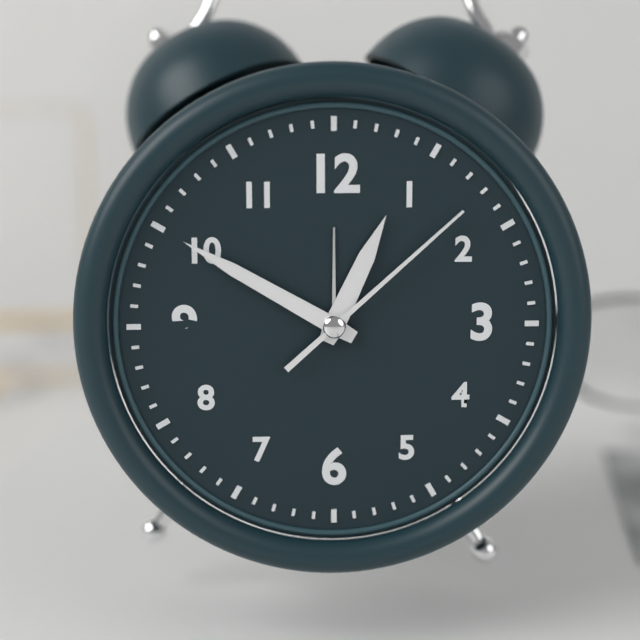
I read 12.50.08
